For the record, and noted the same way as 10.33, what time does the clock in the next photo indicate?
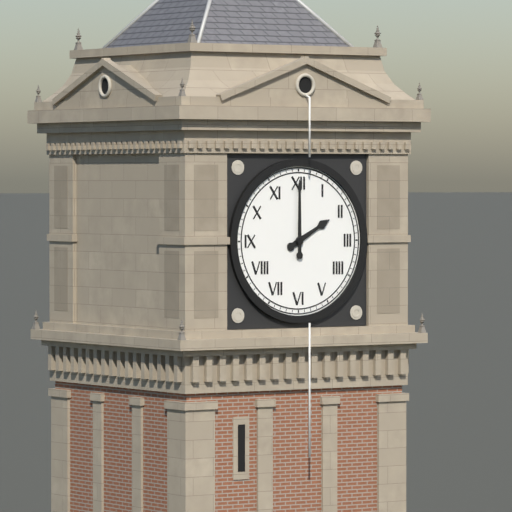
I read 2.00
